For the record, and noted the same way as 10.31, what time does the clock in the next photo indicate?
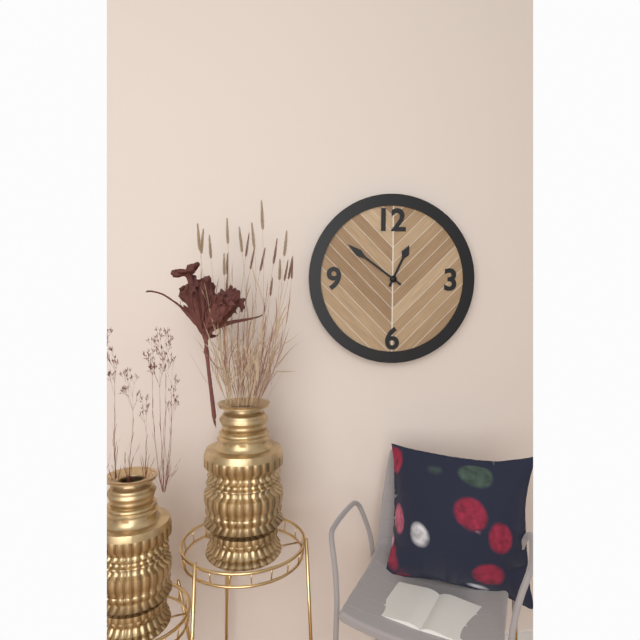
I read 12.51
